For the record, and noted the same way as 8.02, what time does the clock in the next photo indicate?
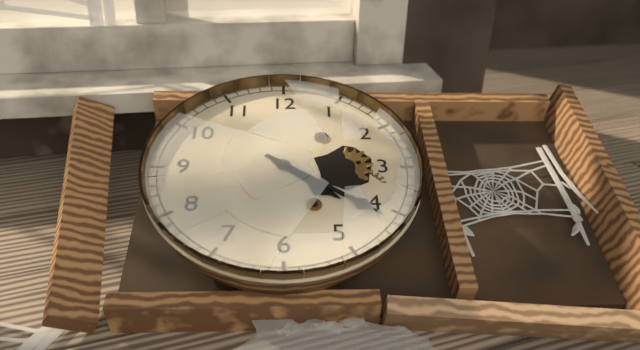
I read 4.21
